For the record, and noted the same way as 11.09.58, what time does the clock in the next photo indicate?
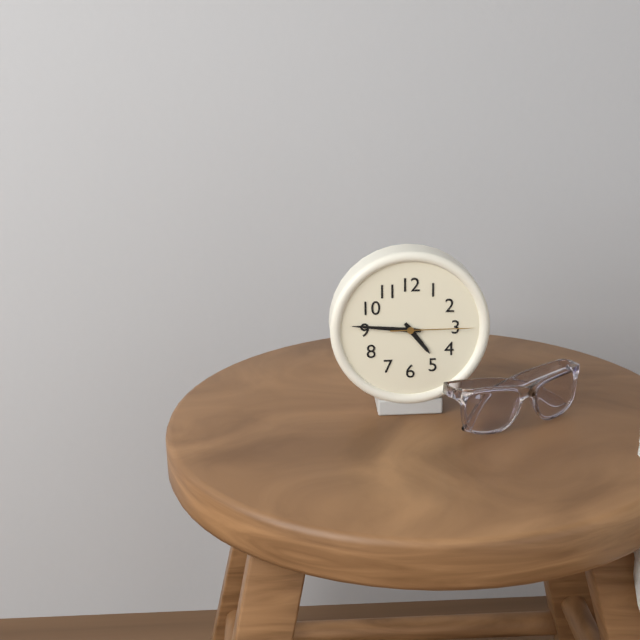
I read 4.46.15
